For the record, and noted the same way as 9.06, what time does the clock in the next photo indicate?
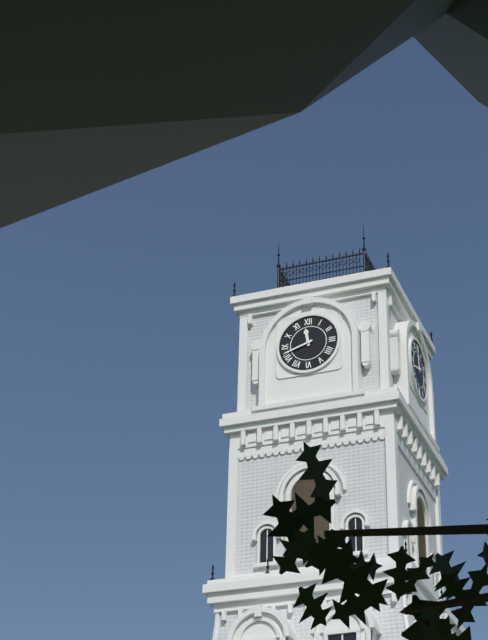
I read 11.42
